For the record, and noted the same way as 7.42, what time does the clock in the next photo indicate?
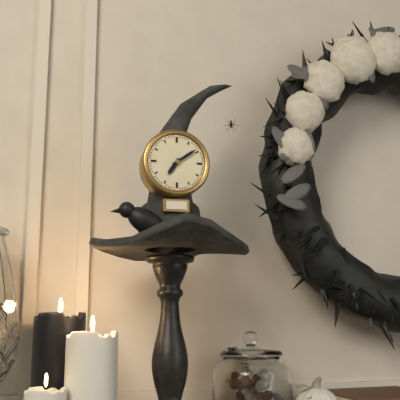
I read 7.09
